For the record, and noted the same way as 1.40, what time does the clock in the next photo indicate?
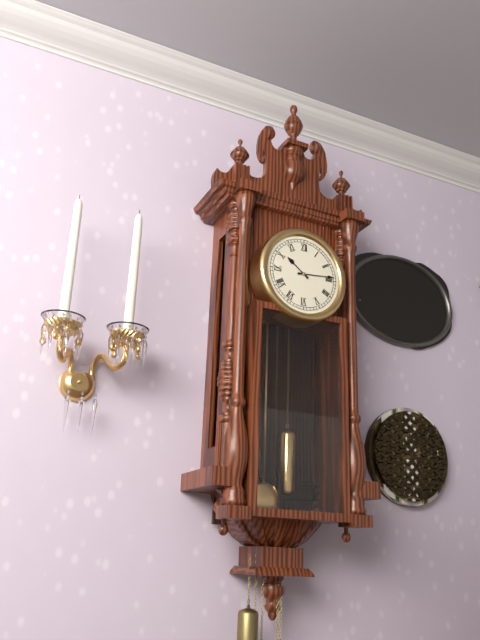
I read 10.14
